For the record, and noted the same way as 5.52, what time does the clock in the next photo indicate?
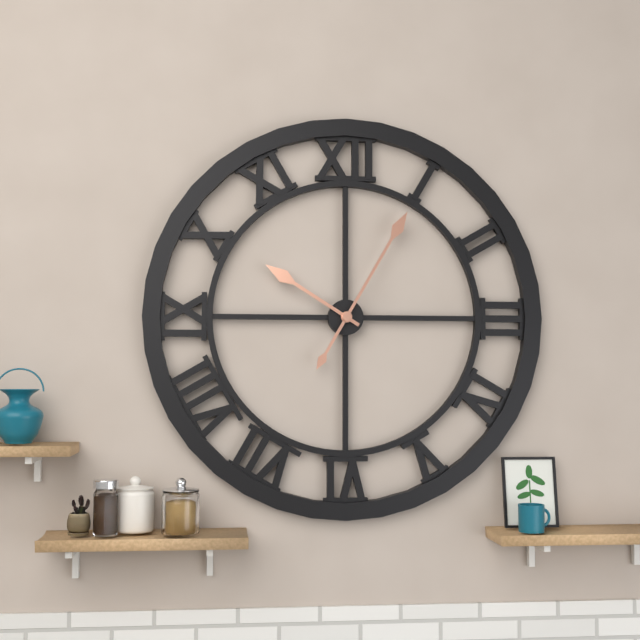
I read 10.05
